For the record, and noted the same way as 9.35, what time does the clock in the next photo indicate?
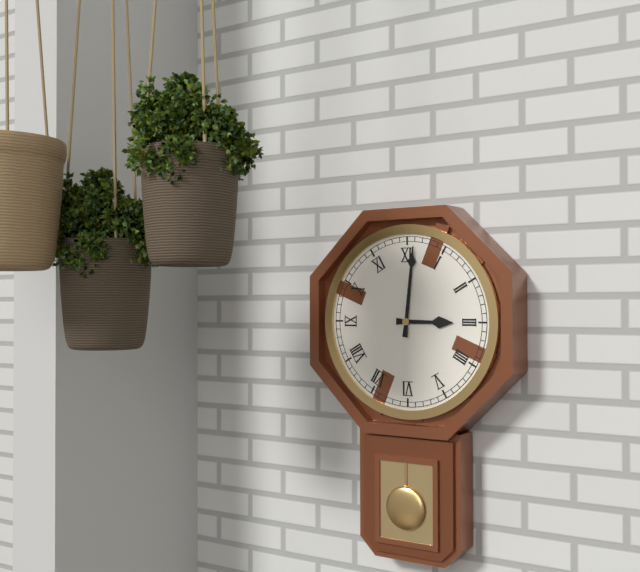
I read 3.01
